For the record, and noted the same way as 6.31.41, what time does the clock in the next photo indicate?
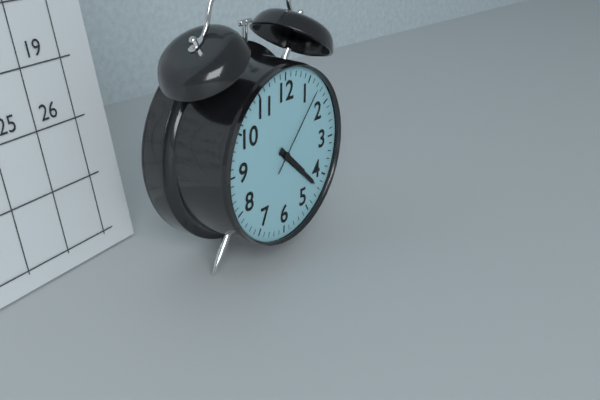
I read 4.22.07
